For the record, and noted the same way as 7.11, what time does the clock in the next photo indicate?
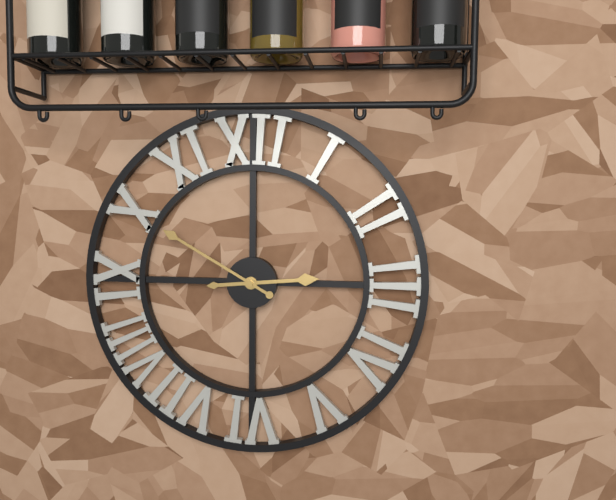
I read 2.50
